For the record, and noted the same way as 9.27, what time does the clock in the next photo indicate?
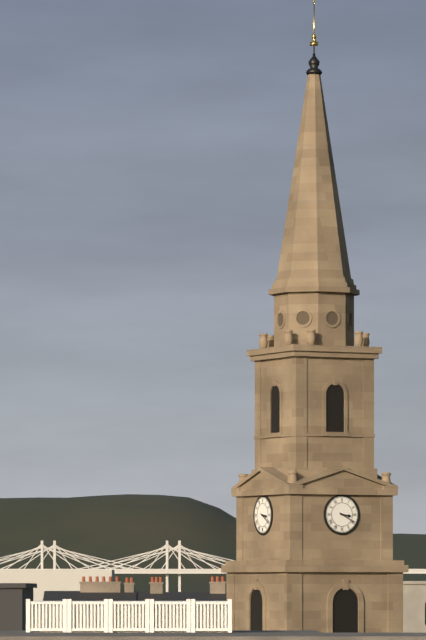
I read 3.20
